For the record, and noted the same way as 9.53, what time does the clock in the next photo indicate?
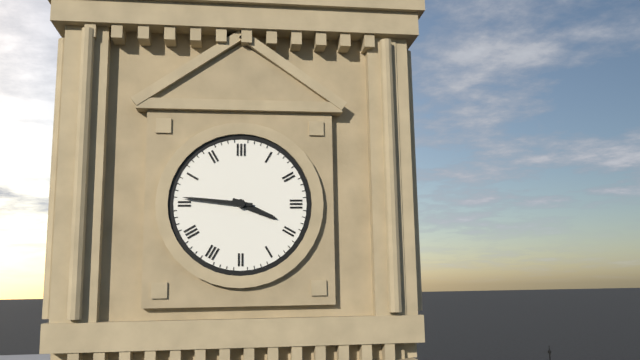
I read 3.46
